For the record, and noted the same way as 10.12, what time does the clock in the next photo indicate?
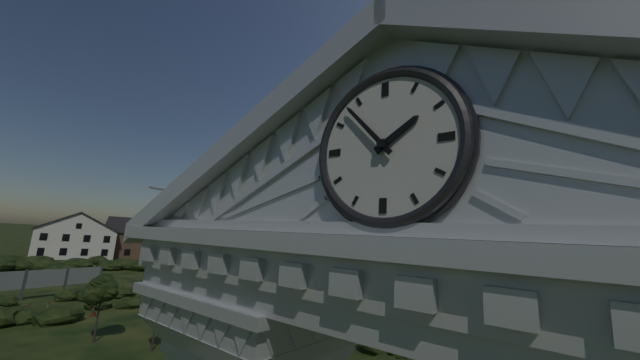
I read 1.53
